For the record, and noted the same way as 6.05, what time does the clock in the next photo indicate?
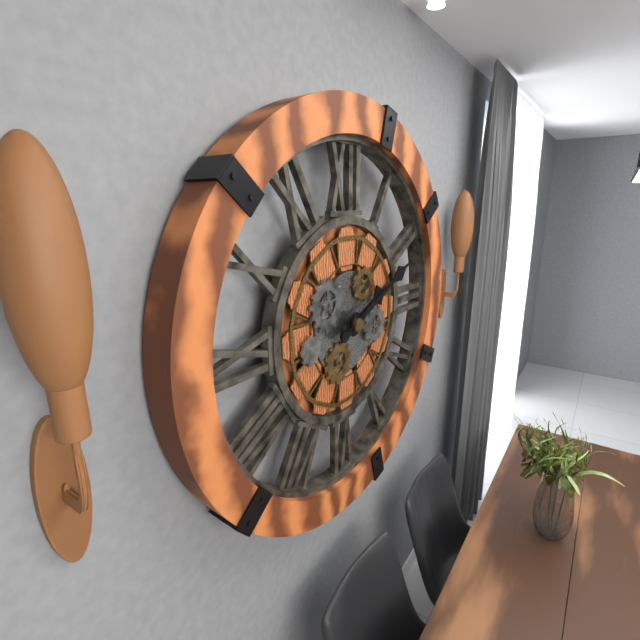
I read 2.11
